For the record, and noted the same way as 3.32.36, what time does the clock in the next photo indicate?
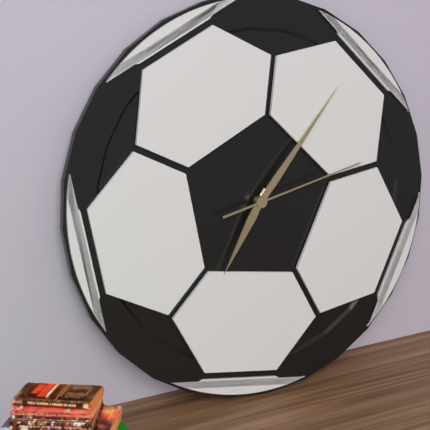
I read 7.07.13
